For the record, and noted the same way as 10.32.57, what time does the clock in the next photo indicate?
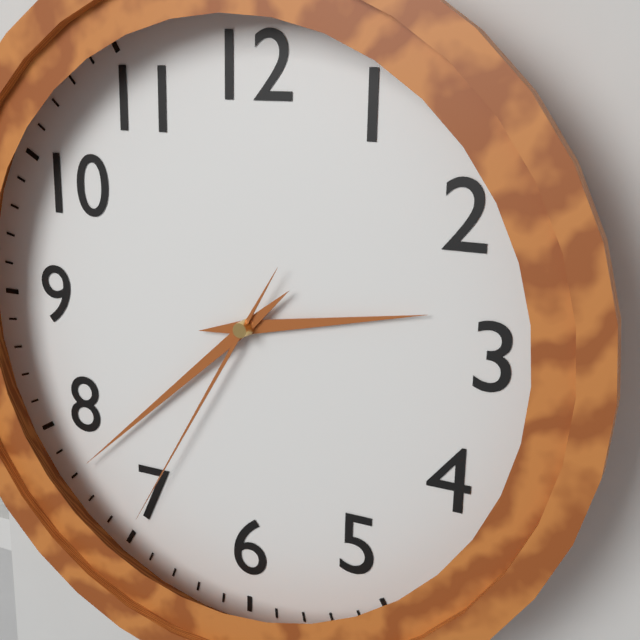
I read 2.38.35
